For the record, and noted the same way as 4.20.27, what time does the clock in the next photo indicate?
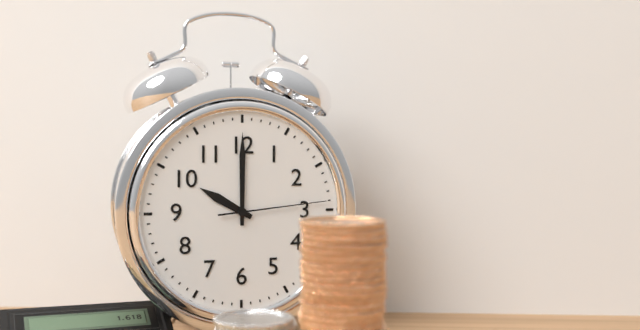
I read 10.00.14
